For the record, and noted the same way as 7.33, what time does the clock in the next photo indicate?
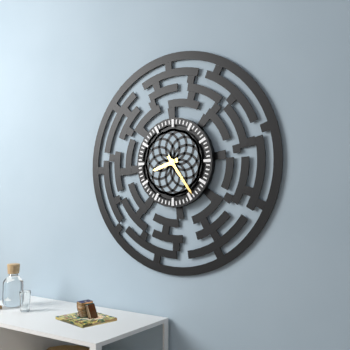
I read 8.24
